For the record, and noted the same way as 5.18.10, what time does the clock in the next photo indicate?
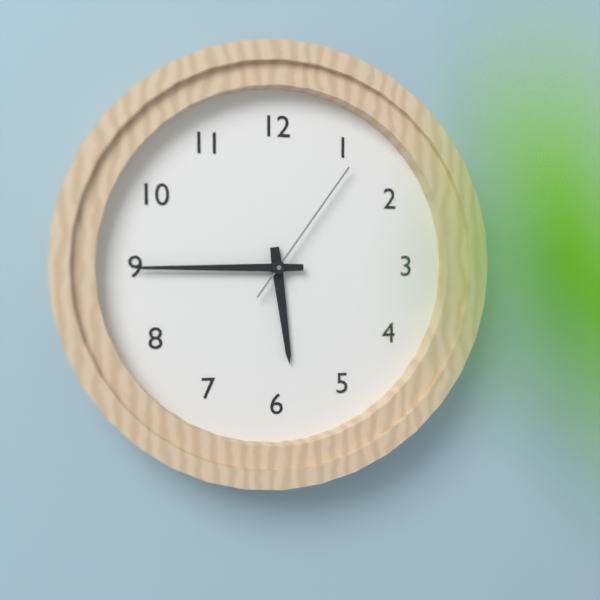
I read 5.45.06
